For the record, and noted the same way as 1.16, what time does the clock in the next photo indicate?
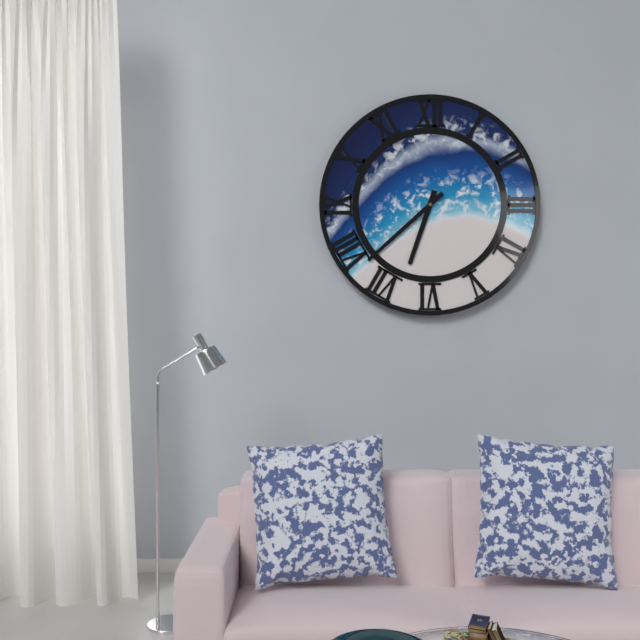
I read 6.38
